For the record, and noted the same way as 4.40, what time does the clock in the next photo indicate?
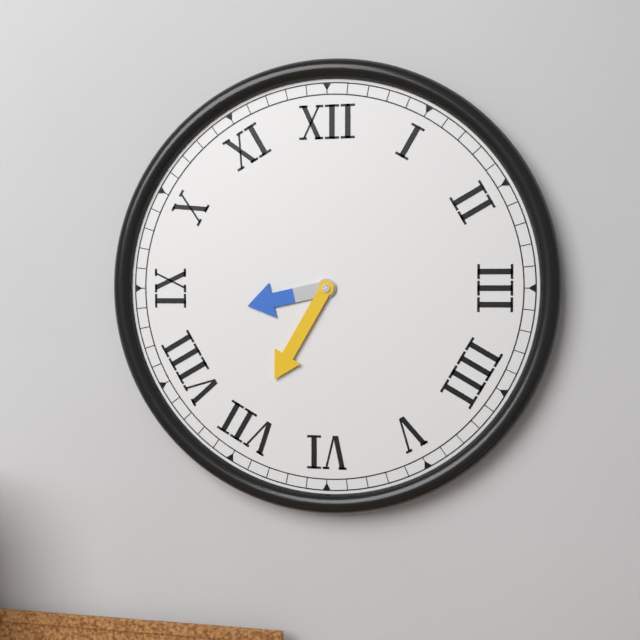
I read 8.35
